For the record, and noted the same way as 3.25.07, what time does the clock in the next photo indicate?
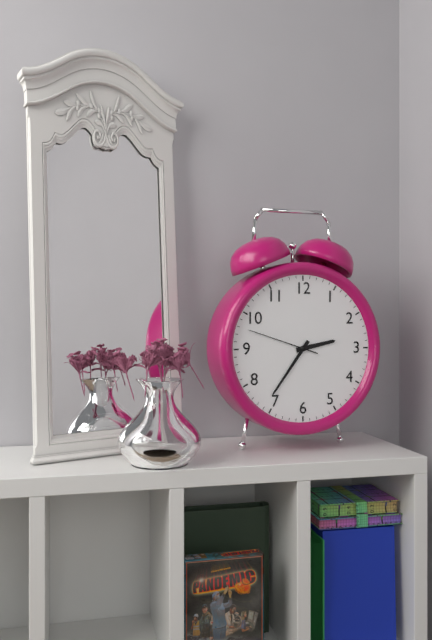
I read 2.36.48
